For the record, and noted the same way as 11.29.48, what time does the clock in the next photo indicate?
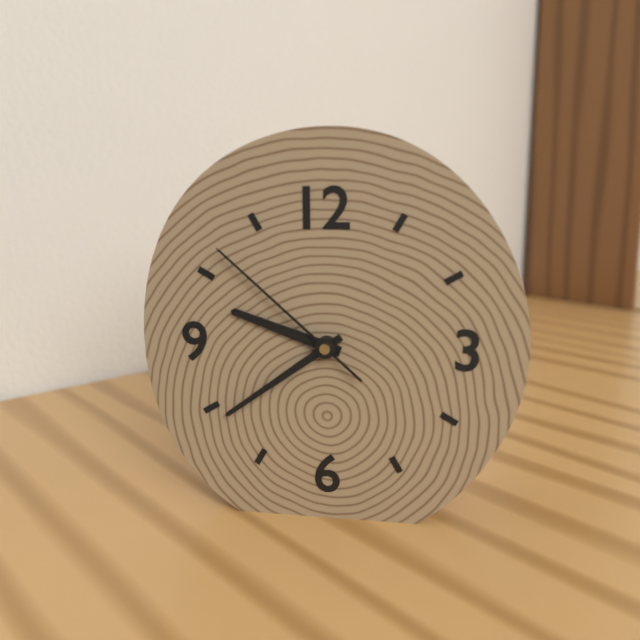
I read 9.39.52
